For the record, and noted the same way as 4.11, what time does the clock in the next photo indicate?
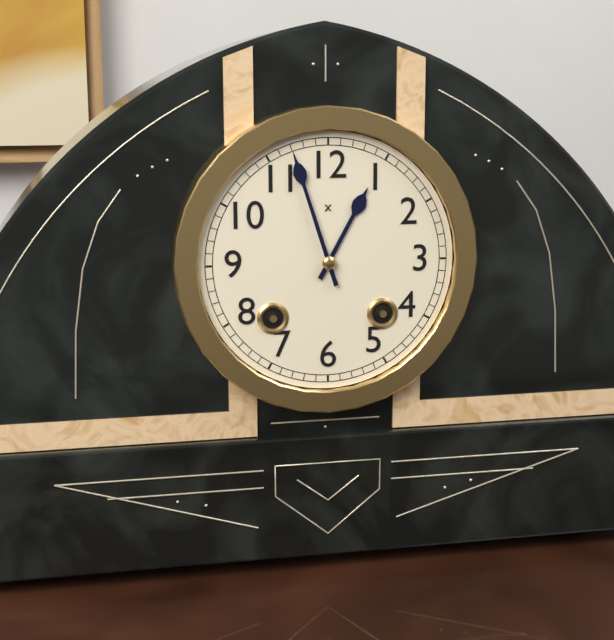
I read 12.57
